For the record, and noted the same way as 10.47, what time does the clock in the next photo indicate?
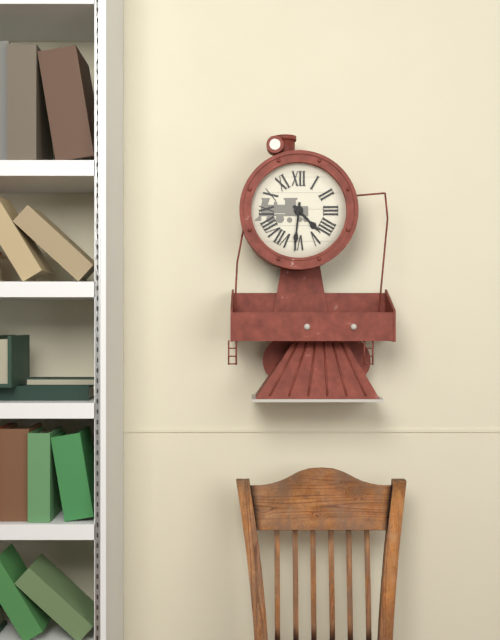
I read 4.31
